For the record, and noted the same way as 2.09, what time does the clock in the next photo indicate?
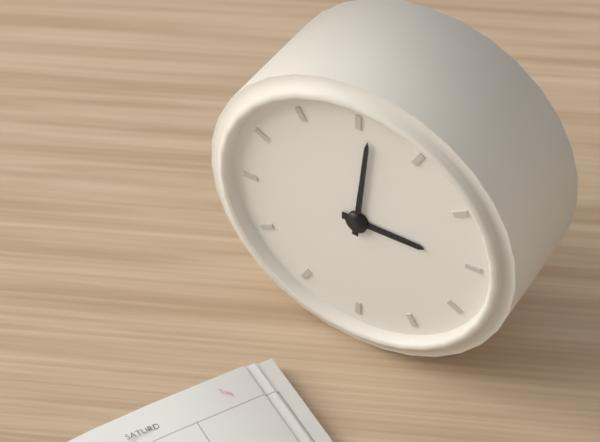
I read 3.01
